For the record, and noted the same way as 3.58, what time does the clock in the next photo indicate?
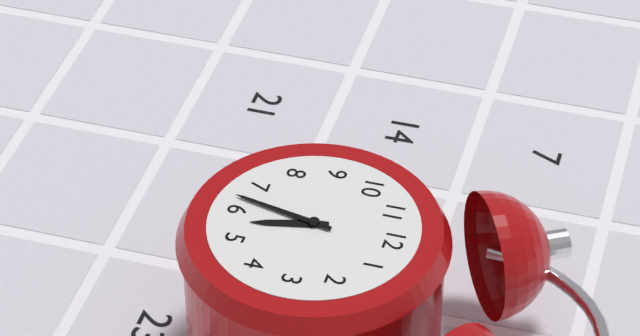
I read 5.32
